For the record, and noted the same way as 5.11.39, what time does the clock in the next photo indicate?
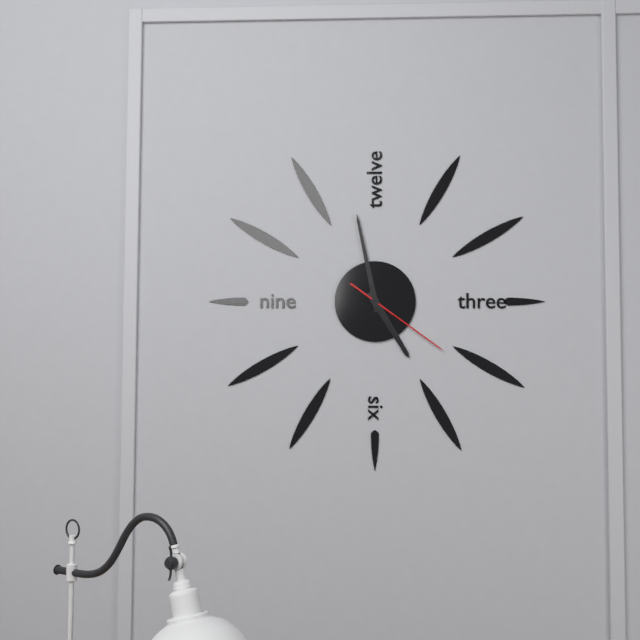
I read 4.58.21
